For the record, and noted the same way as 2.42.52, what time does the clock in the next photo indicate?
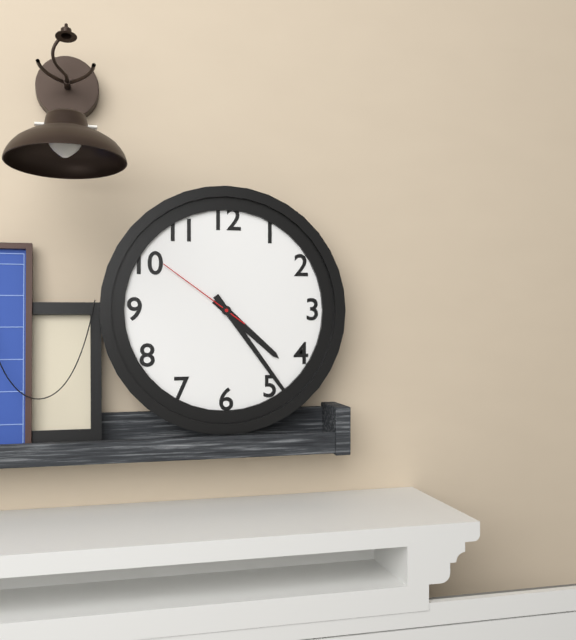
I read 4.24.51
